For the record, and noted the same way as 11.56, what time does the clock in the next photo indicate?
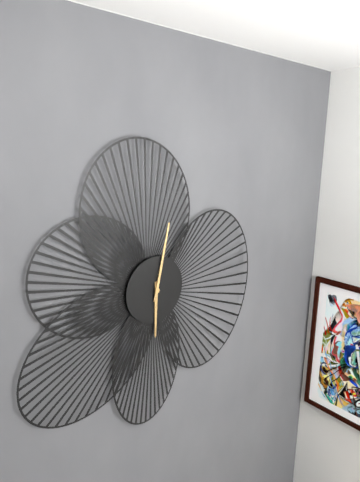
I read 6.02
